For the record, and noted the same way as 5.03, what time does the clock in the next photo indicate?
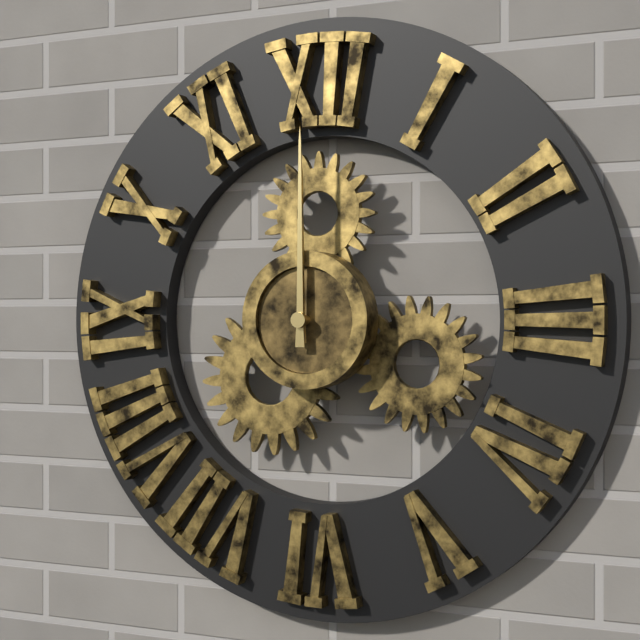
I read 12.00
